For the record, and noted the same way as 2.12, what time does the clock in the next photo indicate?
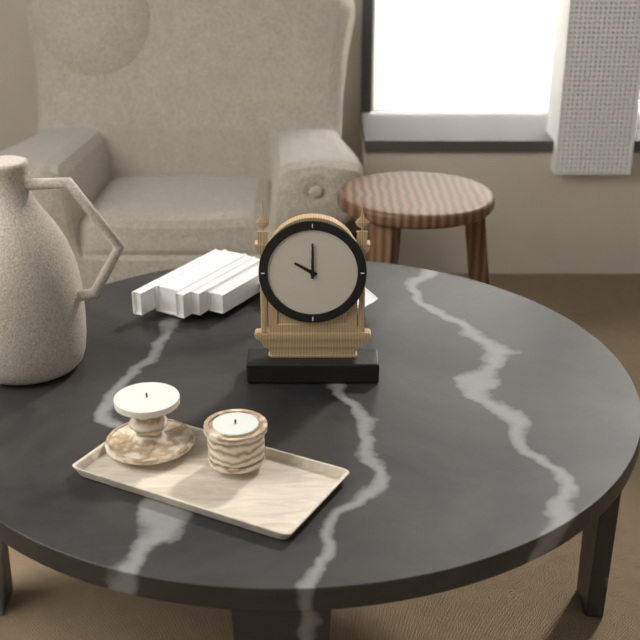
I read 10.00
